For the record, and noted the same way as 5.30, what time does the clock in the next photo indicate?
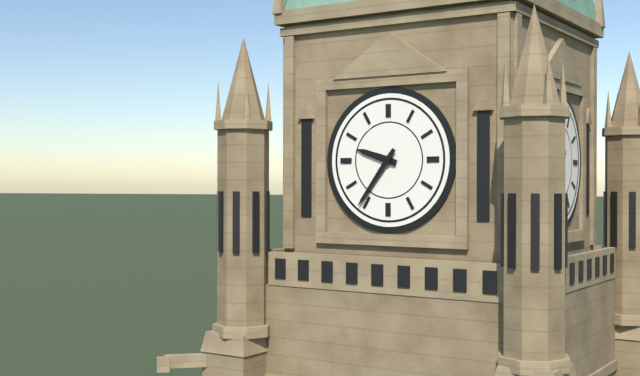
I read 9.36
